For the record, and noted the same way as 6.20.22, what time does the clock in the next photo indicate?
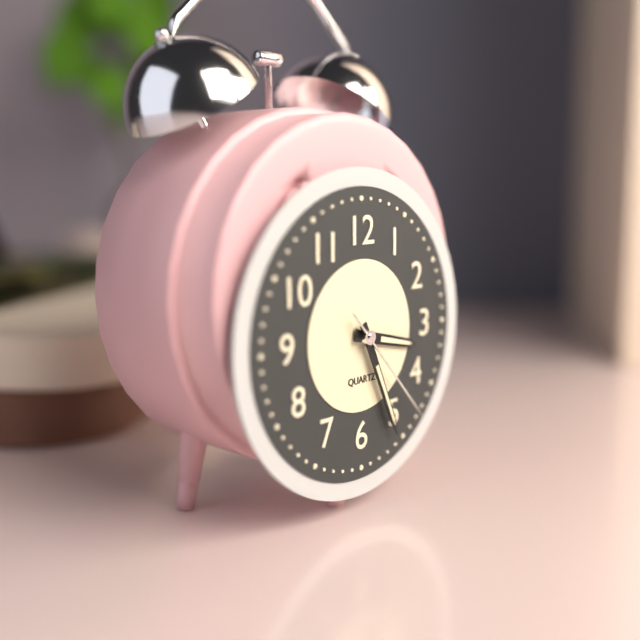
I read 3.26.23
